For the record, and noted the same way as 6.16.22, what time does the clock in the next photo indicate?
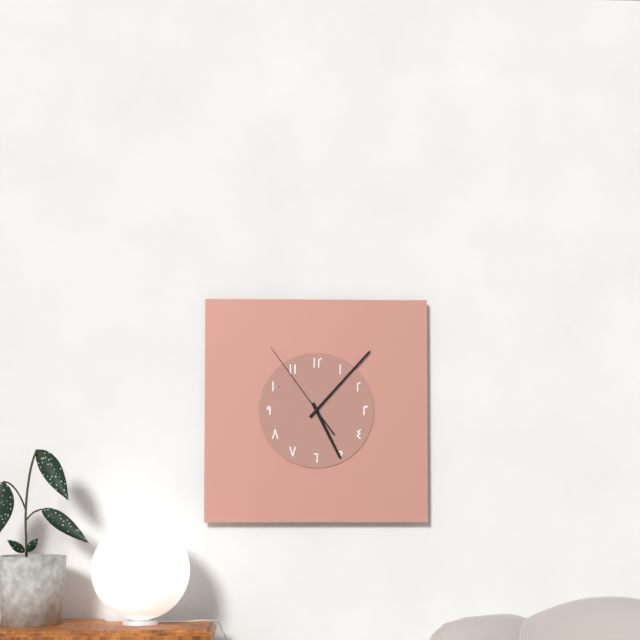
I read 5.07.54
